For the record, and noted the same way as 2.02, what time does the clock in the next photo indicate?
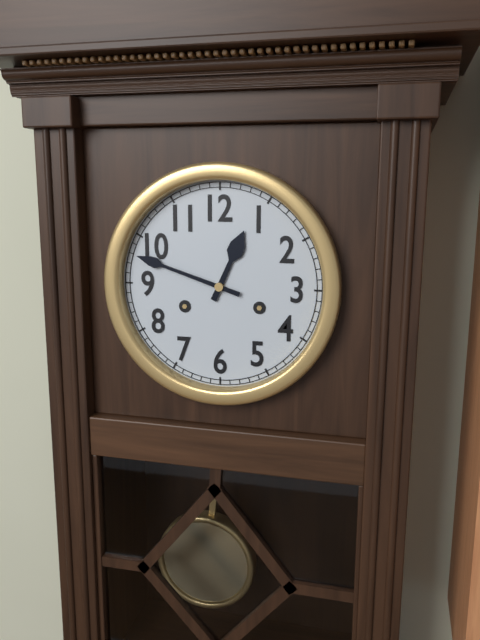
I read 12.48
